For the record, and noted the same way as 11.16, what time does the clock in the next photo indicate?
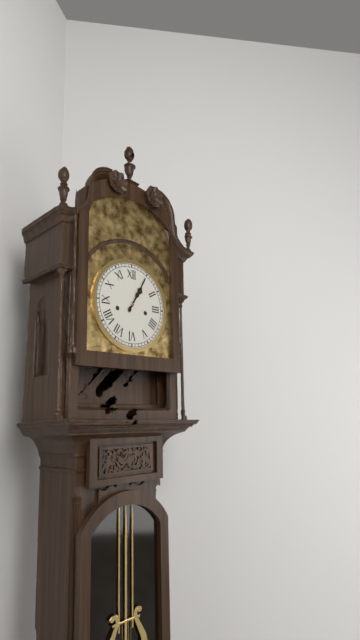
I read 1.05
